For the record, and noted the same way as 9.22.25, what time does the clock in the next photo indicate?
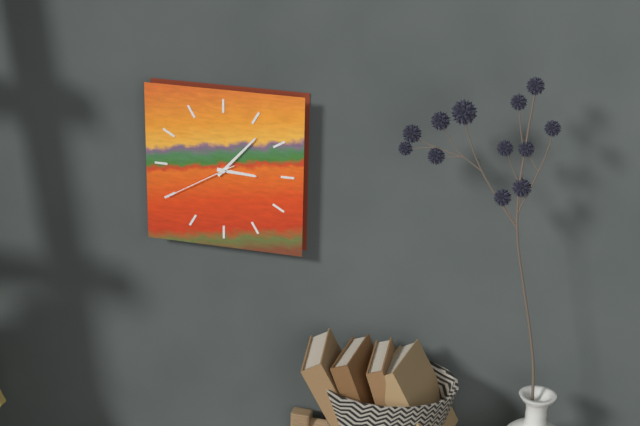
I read 3.07.40
